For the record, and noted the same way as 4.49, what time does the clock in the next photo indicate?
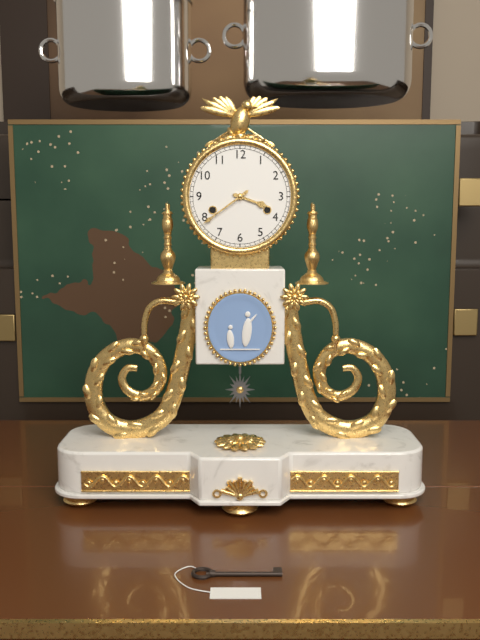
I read 3.39
